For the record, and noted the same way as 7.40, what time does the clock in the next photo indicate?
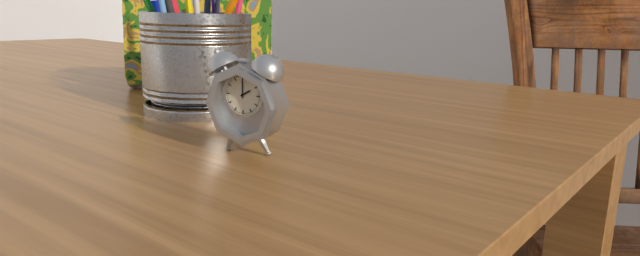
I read 2.00
